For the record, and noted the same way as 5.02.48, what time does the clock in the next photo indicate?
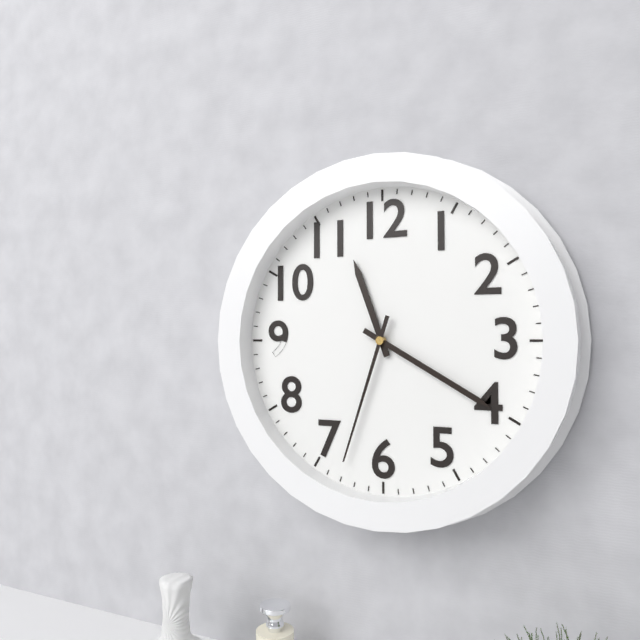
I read 11.20.33
